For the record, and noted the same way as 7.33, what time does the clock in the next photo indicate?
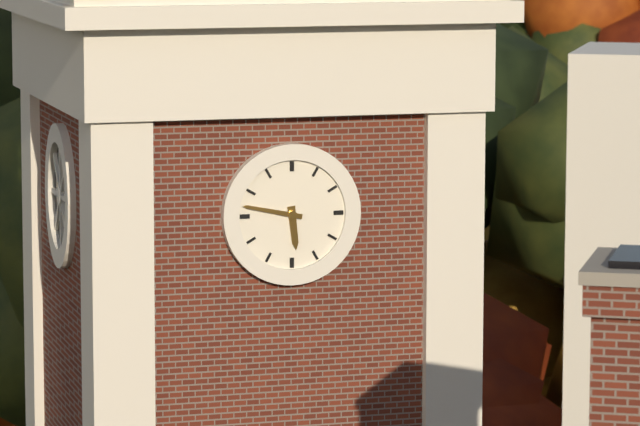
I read 5.47
